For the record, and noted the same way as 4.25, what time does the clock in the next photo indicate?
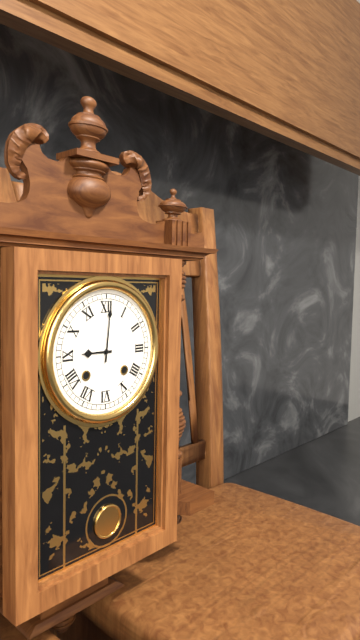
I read 9.01
